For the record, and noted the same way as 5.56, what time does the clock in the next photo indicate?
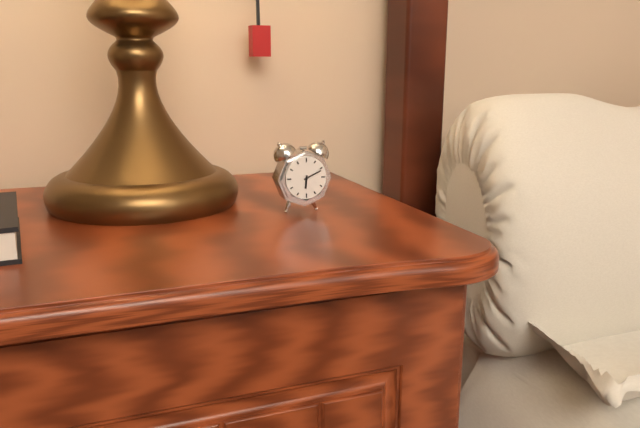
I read 6.11
